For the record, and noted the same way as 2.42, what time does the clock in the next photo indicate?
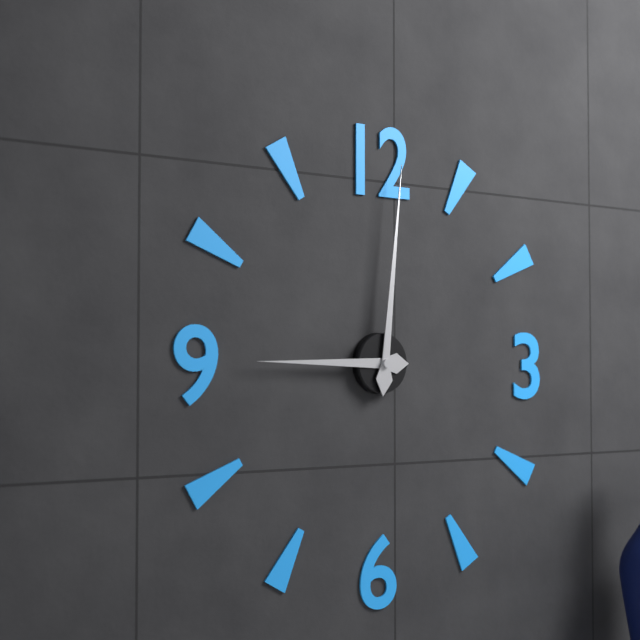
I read 9.01
